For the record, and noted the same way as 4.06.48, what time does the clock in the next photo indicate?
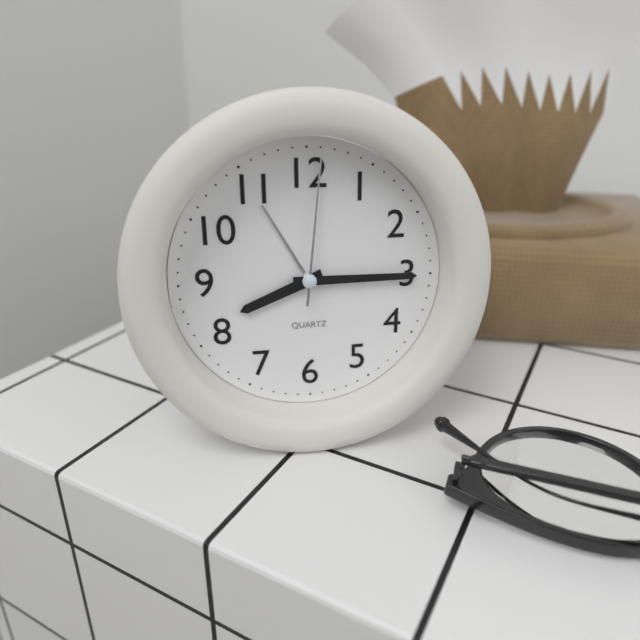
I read 8.15.01
